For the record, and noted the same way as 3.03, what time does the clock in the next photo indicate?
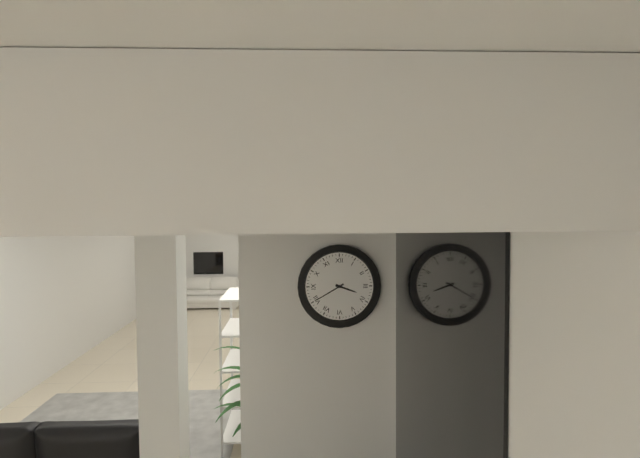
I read 3.40
